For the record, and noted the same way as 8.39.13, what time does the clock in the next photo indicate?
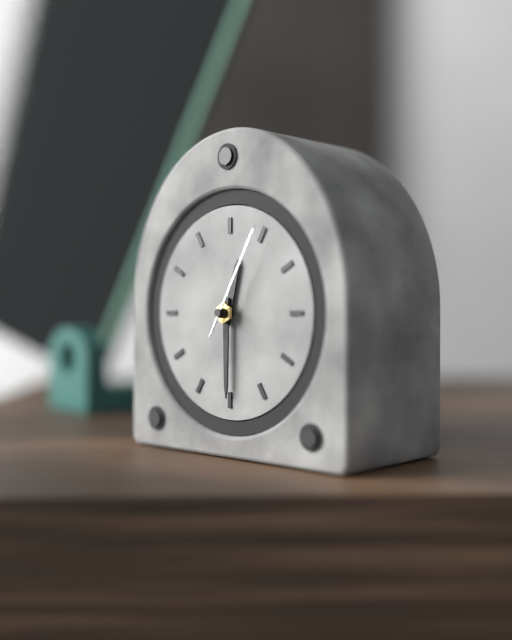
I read 12.30.05
